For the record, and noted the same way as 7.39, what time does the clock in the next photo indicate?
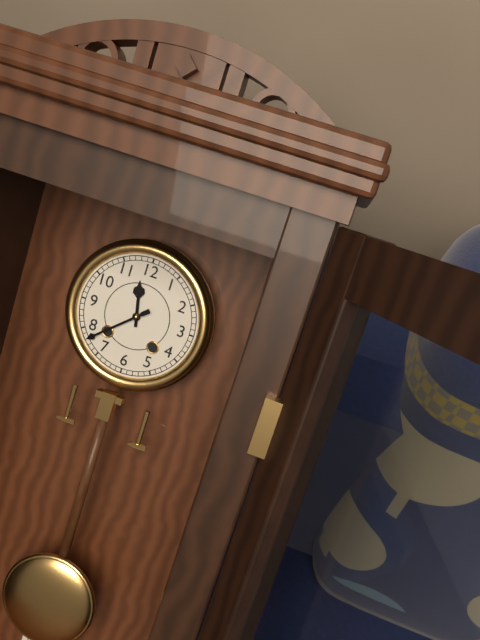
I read 11.38
